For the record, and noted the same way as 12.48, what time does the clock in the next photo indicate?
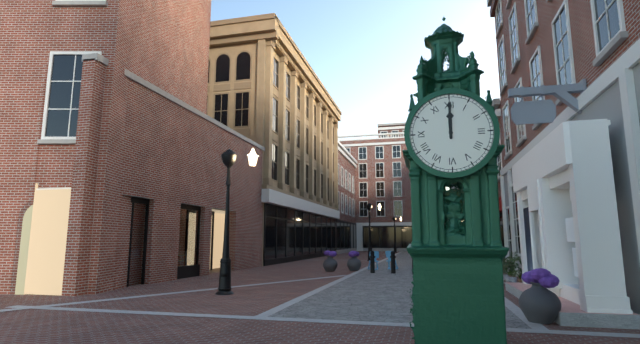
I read 12.00
